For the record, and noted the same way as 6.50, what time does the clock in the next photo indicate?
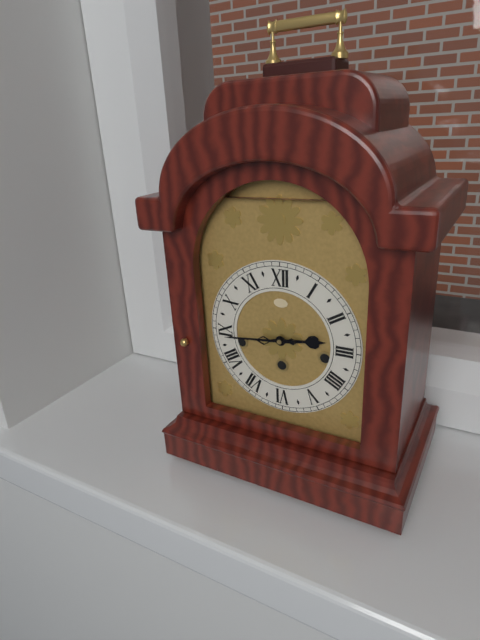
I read 2.44
